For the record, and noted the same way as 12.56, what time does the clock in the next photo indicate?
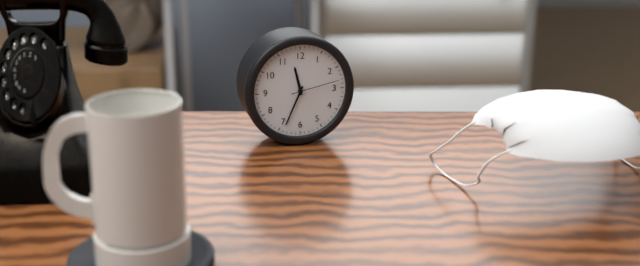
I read 11.34
